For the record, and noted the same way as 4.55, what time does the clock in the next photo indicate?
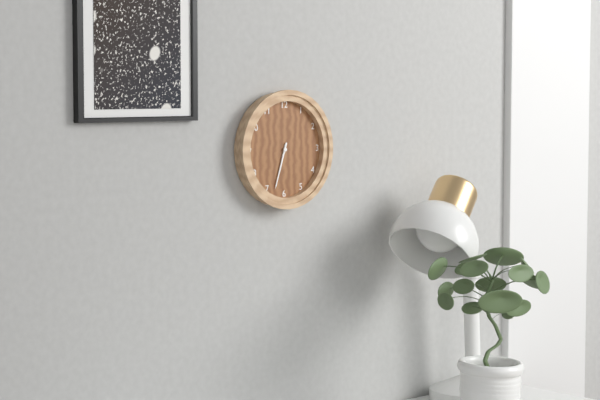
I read 6.33
